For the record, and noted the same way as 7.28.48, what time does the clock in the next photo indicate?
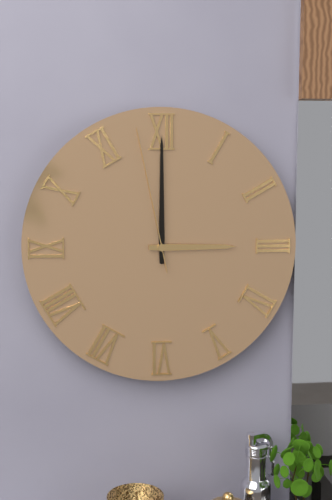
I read 3.00.58
